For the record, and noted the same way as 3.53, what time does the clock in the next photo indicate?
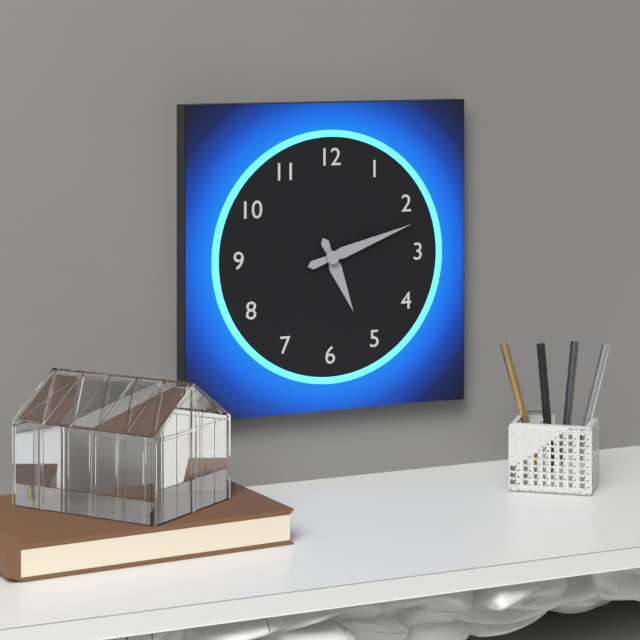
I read 5.12
